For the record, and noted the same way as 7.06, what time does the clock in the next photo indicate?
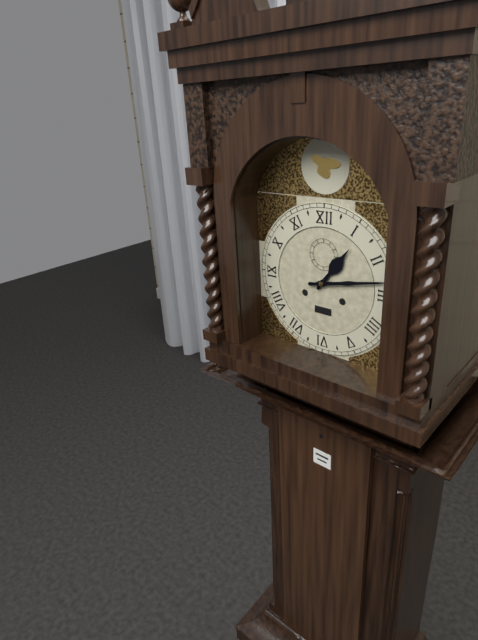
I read 1.13
